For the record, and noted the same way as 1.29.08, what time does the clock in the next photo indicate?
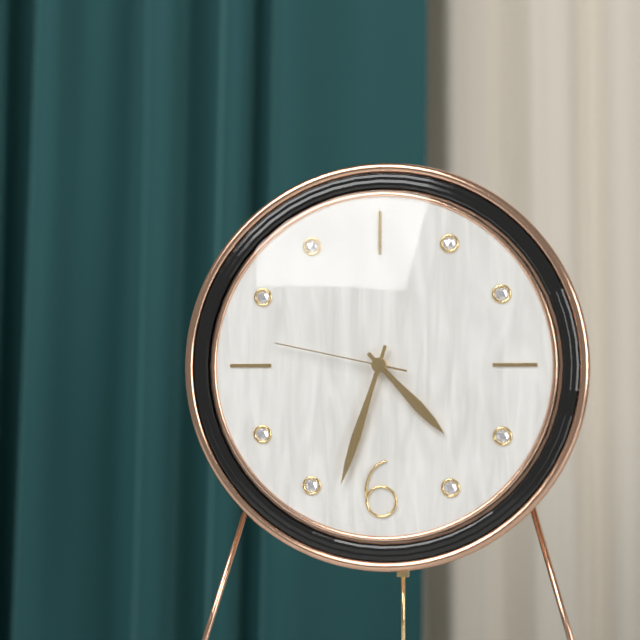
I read 4.33.47
